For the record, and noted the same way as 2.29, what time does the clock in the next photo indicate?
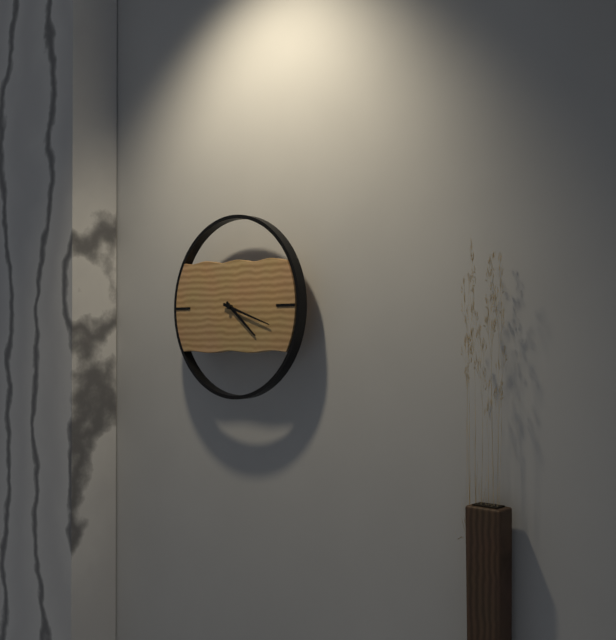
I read 4.18
